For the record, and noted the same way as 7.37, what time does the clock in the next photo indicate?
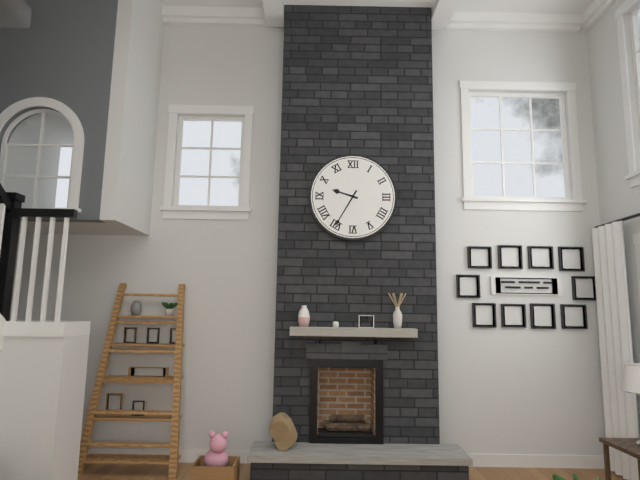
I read 9.35
